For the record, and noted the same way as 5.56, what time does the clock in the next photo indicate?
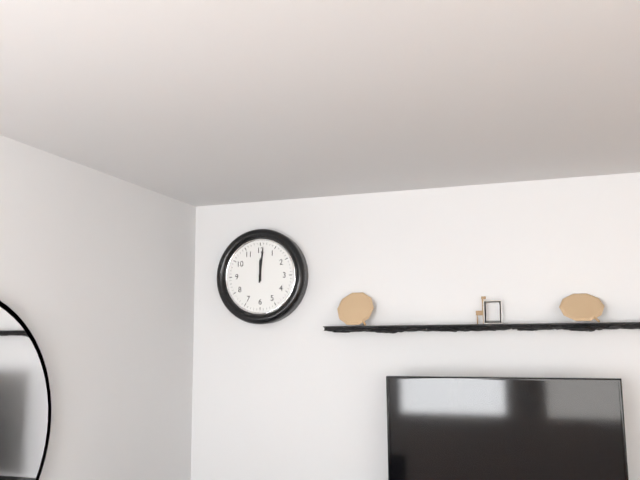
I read 12.01
